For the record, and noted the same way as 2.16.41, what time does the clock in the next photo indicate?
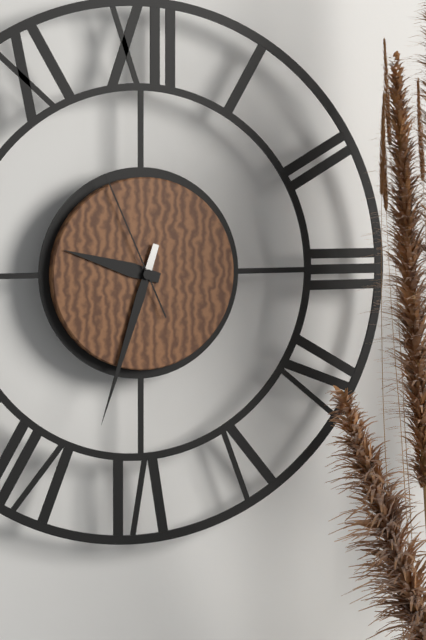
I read 9.33.56
